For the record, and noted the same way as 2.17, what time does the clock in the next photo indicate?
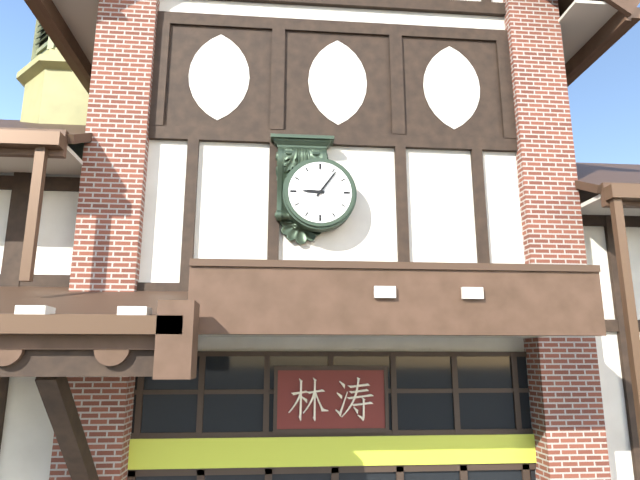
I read 9.06
